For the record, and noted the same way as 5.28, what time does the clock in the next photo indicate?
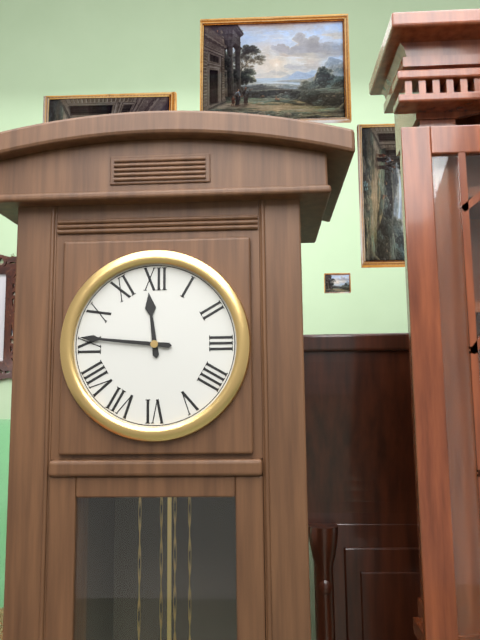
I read 11.46
